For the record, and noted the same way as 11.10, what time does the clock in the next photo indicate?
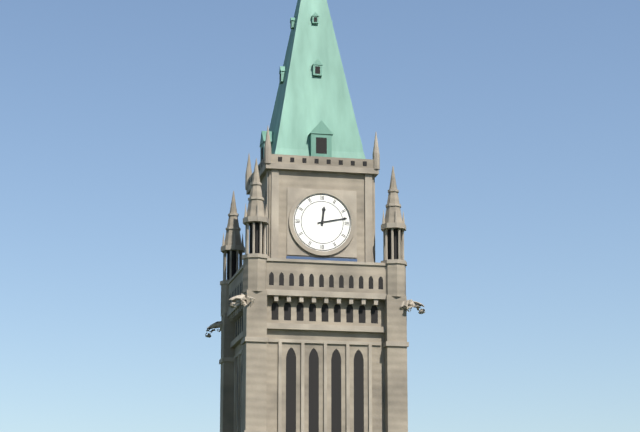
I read 12.13
